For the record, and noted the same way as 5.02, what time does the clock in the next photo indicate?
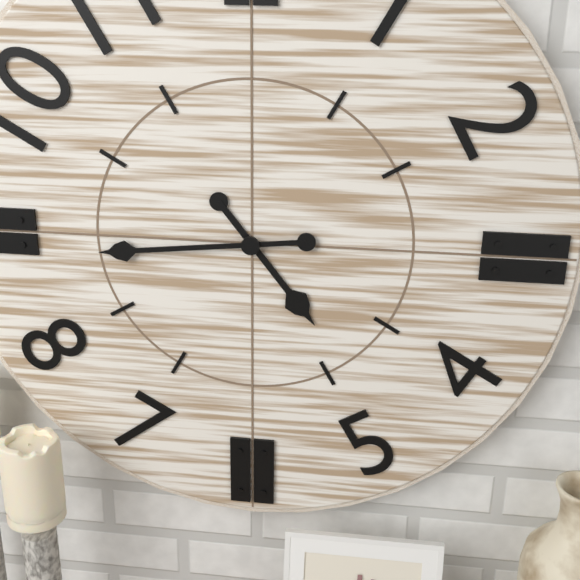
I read 4.44
